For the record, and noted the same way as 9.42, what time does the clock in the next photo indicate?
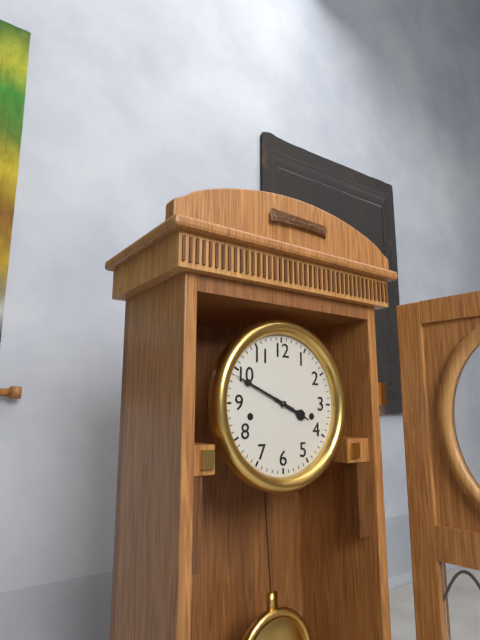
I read 3.49
